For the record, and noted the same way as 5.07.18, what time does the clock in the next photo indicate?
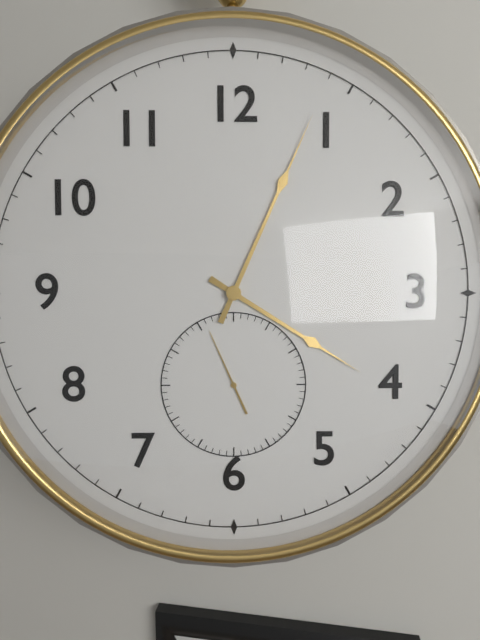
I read 4.04.56
